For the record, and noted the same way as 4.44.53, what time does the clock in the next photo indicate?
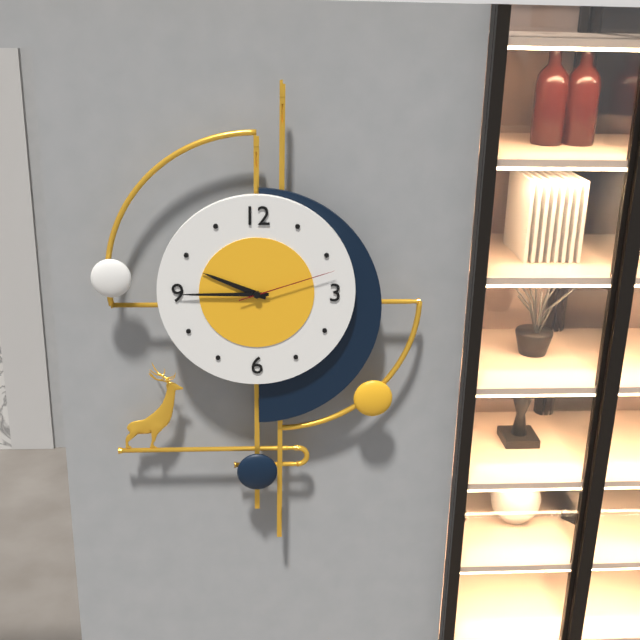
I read 9.45.12
